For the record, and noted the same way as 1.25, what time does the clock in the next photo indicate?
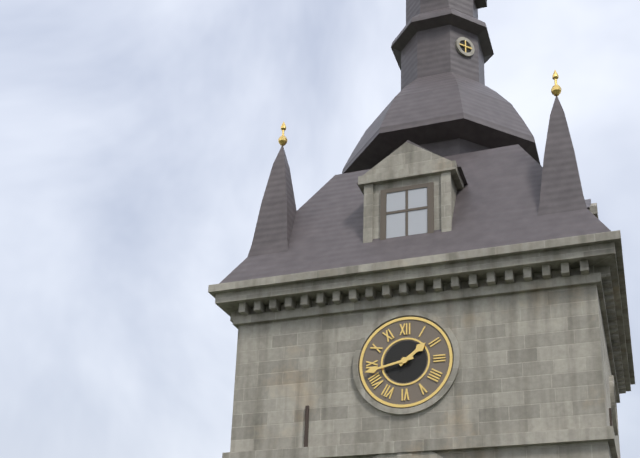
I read 1.43
